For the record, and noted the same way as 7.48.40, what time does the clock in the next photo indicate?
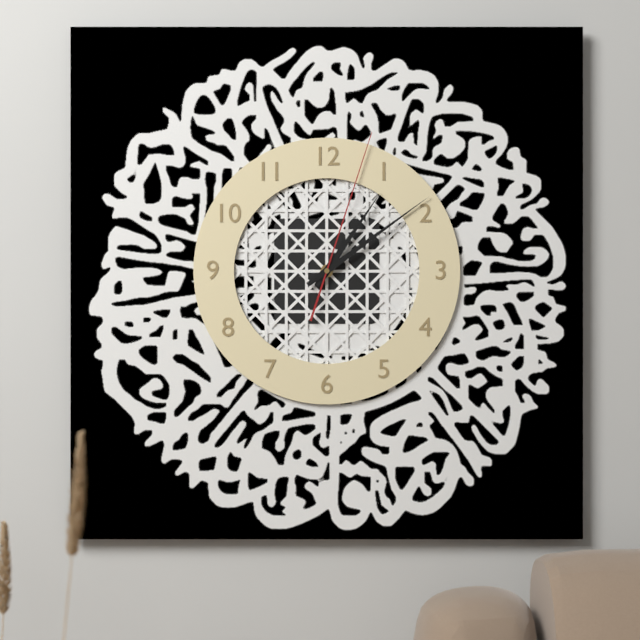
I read 1.09.03
